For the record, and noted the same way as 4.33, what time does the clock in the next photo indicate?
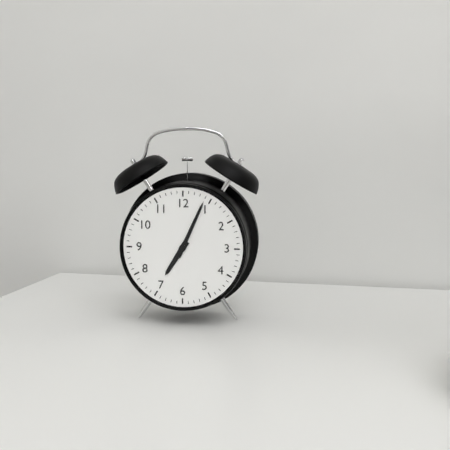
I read 7.04
